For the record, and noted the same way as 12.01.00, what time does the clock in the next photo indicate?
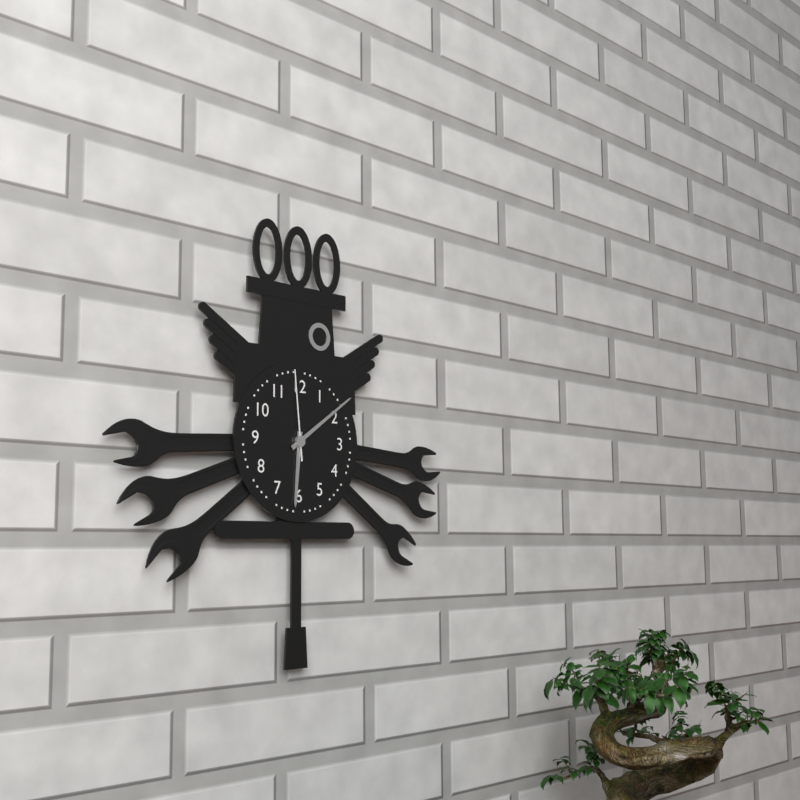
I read 6.09.59
